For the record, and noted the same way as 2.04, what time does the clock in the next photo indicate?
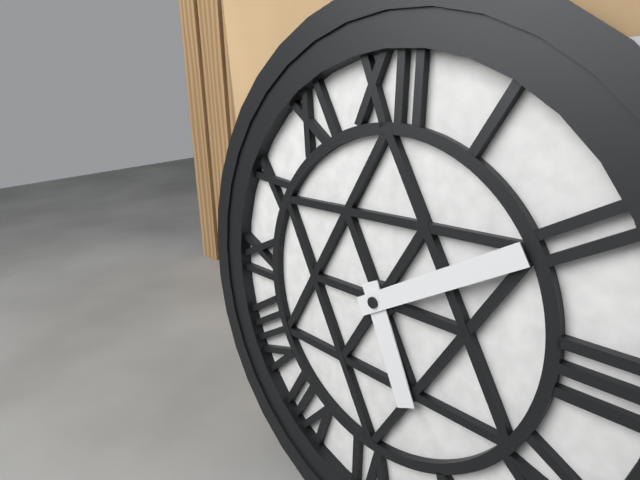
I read 5.10
